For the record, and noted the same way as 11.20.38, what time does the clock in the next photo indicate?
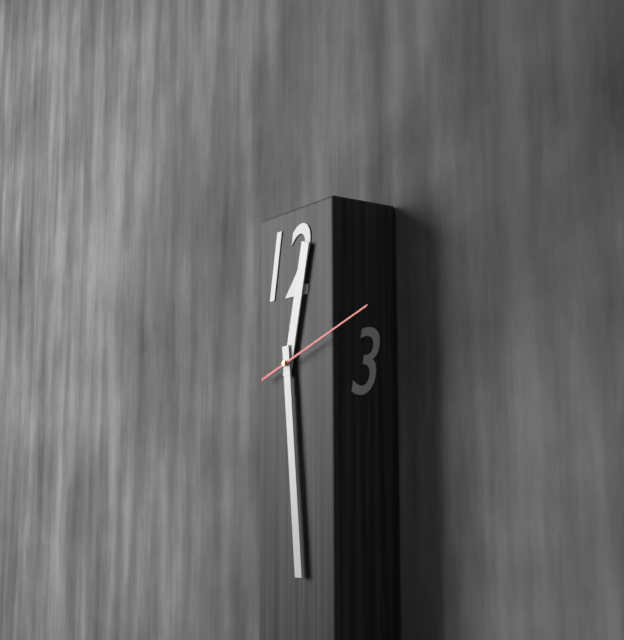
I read 12.29.12
